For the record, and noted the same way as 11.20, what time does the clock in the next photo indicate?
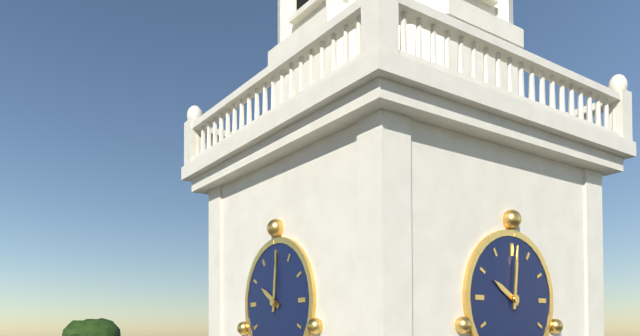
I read 10.01
